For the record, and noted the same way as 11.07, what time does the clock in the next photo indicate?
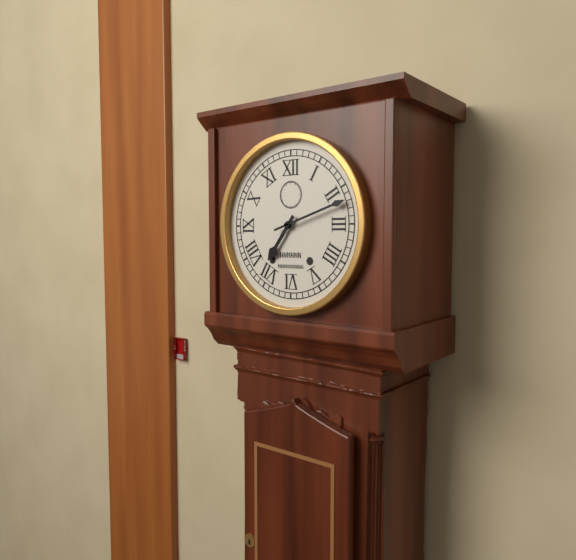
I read 7.12
